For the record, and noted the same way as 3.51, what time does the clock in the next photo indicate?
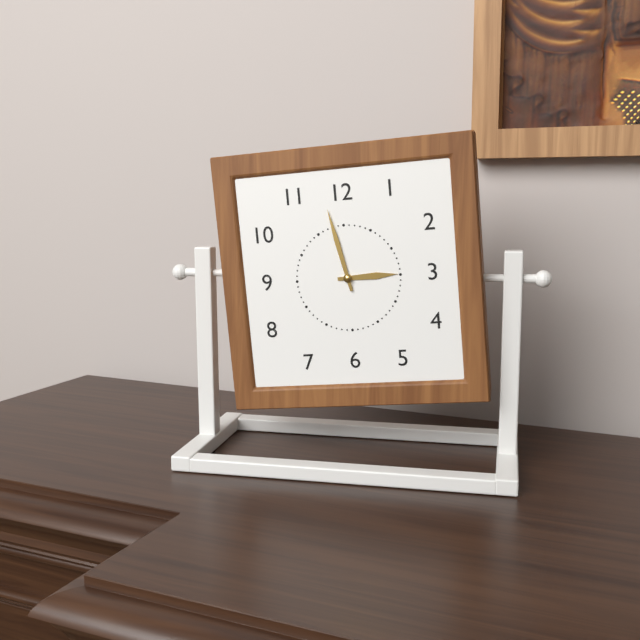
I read 2.58
